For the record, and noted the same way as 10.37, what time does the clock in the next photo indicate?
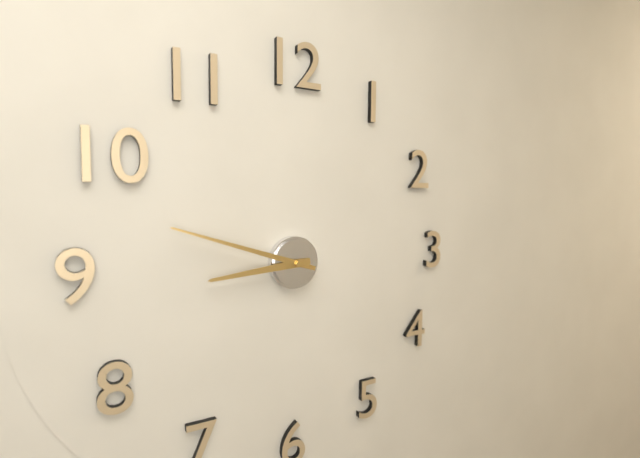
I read 8.48
